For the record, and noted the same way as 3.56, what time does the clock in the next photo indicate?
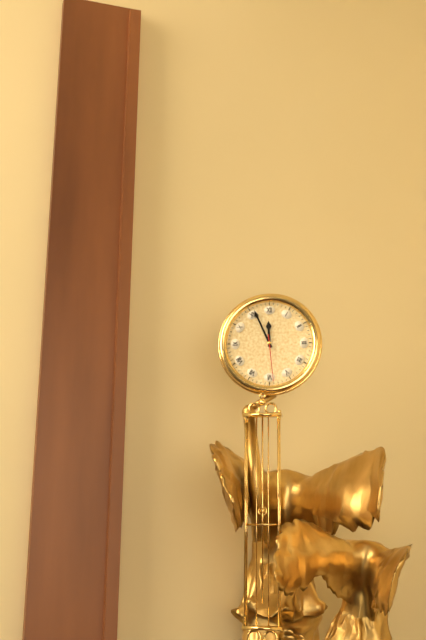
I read 11.56
